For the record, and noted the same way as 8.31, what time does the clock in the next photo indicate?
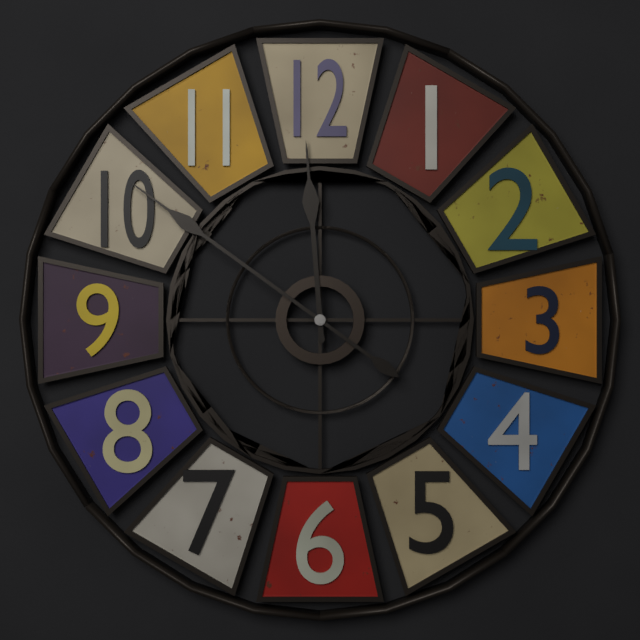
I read 11.51
